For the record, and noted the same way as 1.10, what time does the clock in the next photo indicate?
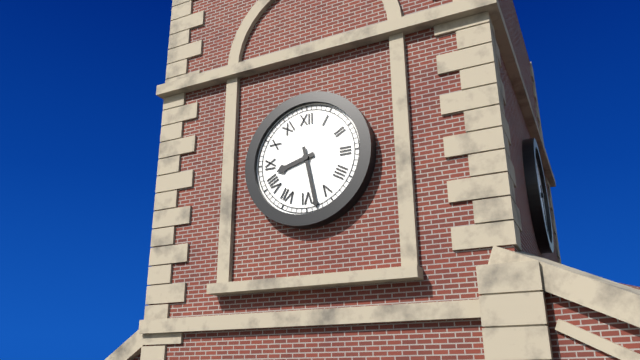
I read 8.28
